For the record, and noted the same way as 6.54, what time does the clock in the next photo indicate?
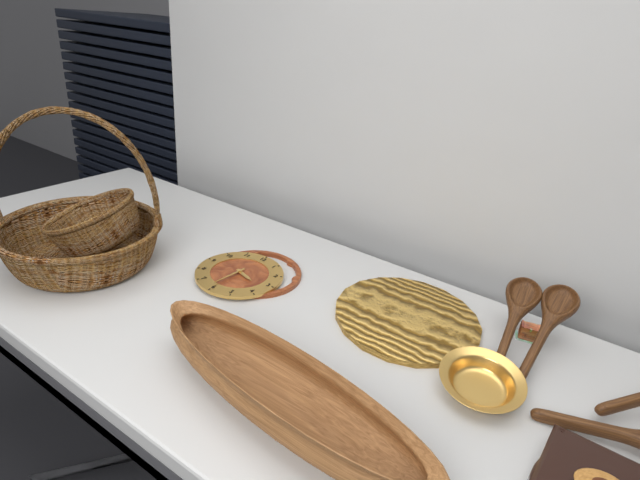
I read 3.31
